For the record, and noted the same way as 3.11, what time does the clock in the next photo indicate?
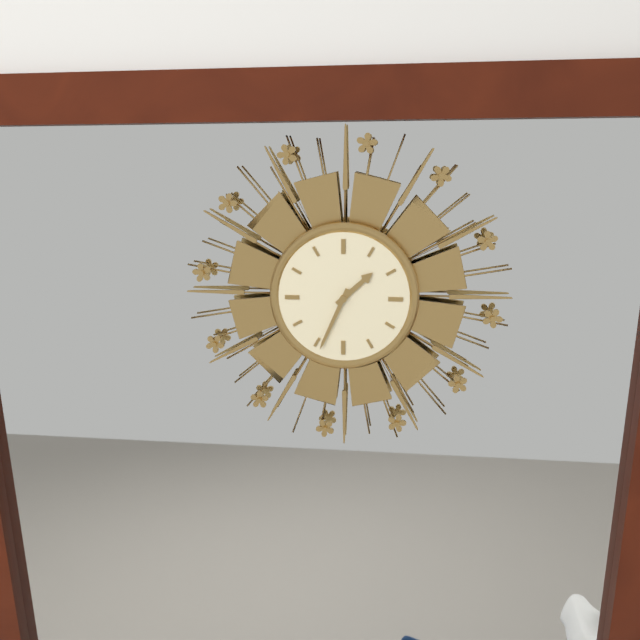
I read 1.34
